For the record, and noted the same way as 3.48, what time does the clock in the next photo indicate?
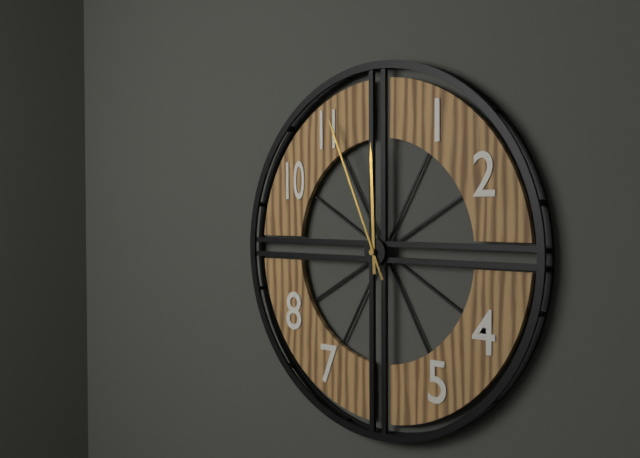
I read 11.56
